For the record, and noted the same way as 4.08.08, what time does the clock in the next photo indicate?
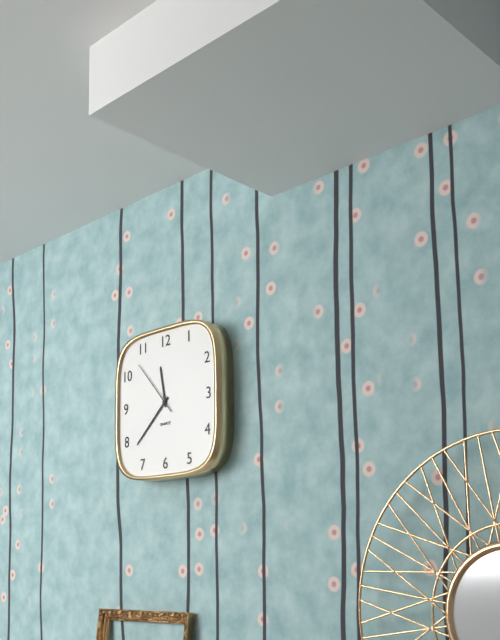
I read 11.38.53
